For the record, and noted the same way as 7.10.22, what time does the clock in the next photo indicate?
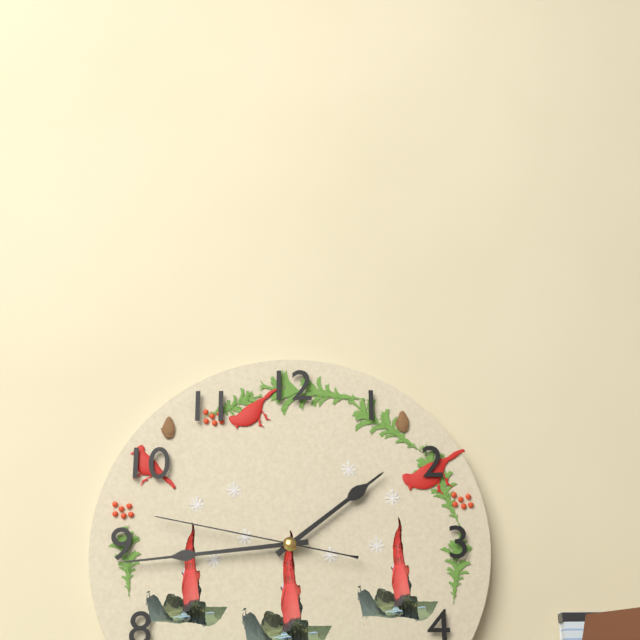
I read 1.44.47
